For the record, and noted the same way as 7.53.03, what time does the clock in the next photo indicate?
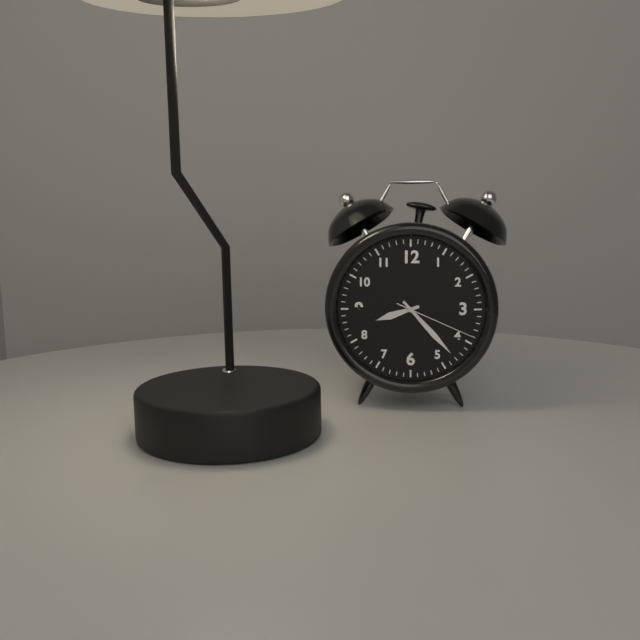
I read 8.23.19
